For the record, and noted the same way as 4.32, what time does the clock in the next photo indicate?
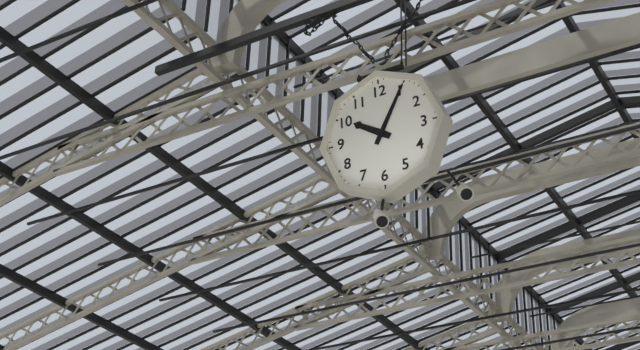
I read 10.05
